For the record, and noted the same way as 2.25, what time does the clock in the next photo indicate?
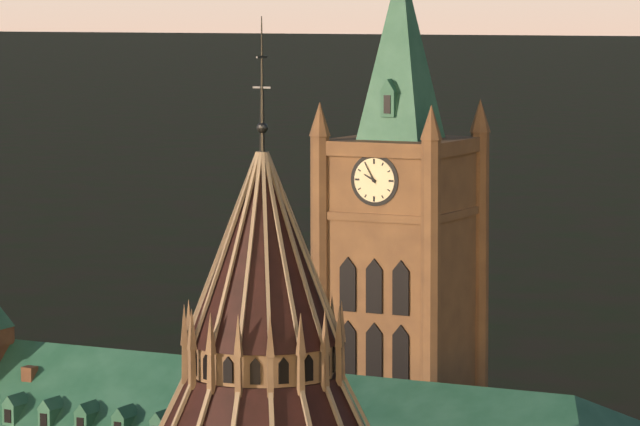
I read 9.55
